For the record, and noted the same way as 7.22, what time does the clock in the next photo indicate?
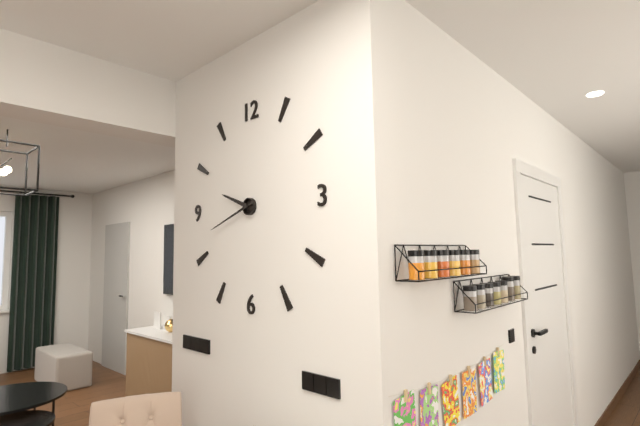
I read 9.42
